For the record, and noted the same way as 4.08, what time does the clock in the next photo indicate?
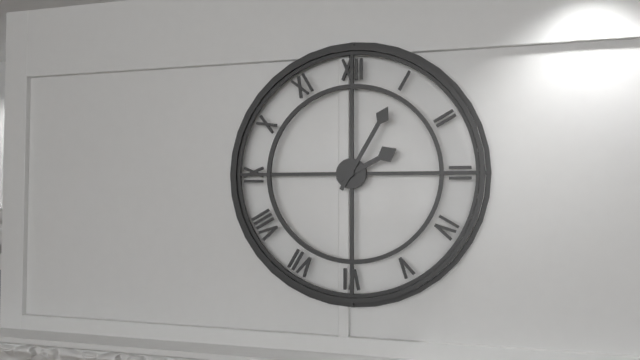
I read 2.05
